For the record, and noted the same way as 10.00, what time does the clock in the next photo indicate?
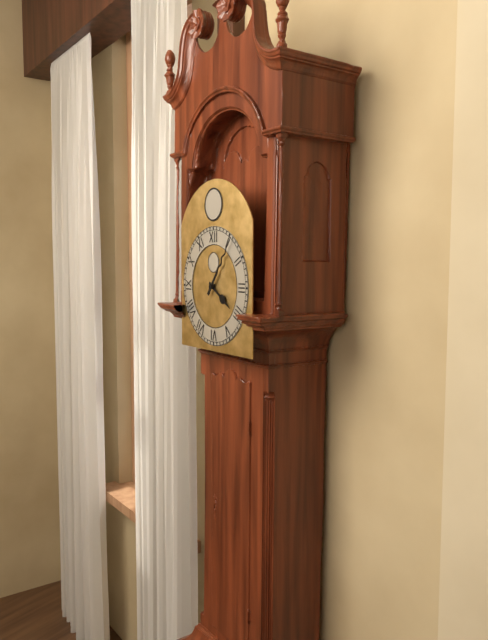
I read 4.06
